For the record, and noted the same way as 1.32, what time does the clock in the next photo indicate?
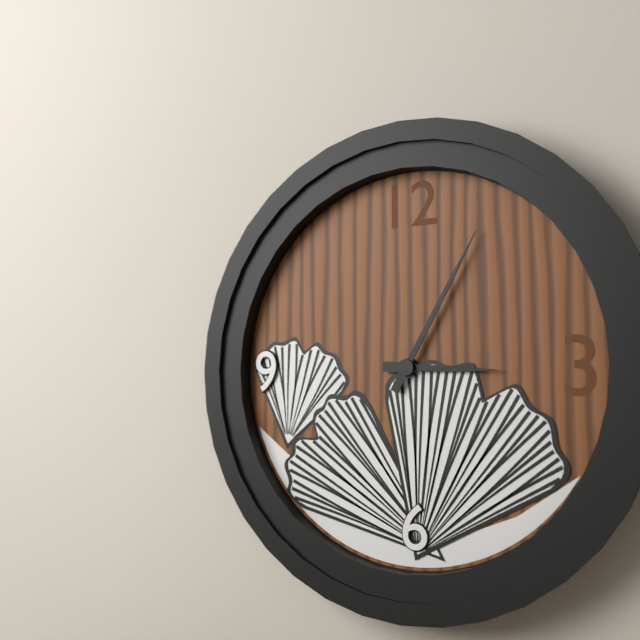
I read 3.05
